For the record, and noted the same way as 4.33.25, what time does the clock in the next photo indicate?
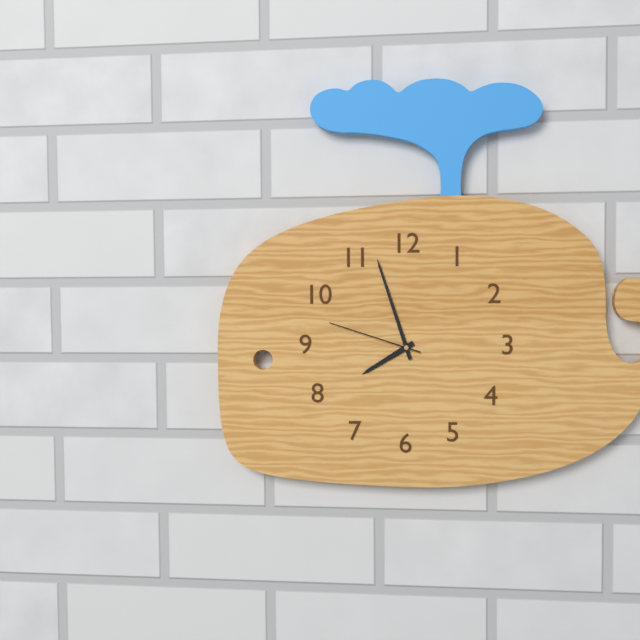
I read 7.57.48
